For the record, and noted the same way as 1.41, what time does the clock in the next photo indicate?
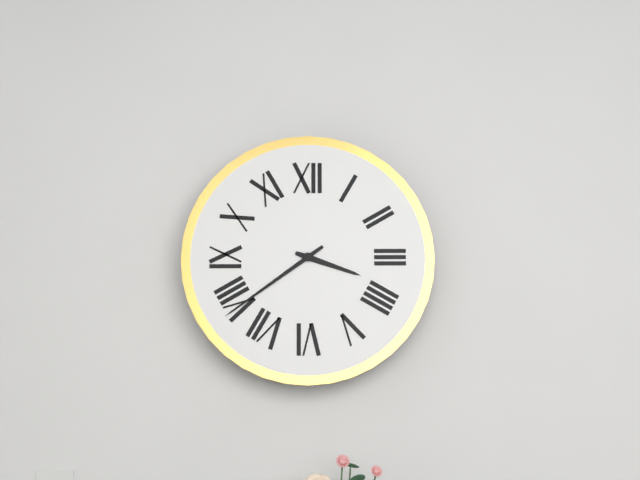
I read 3.39
